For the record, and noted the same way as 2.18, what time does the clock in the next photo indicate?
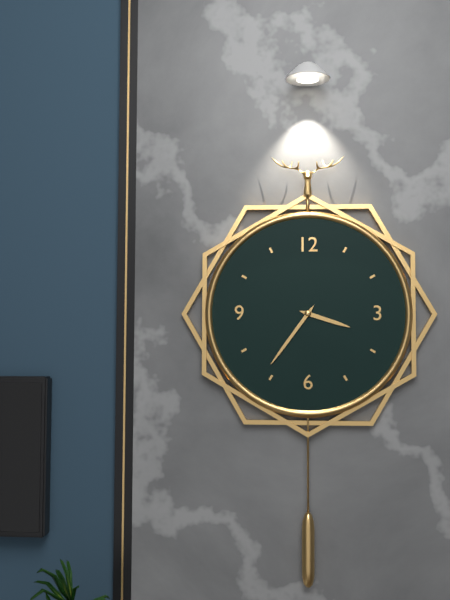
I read 3.36
